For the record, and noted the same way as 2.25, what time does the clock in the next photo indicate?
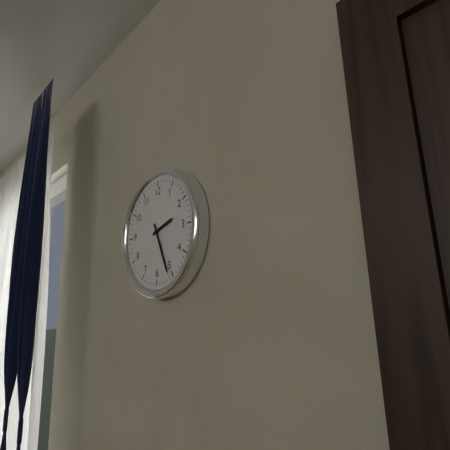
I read 2.26
